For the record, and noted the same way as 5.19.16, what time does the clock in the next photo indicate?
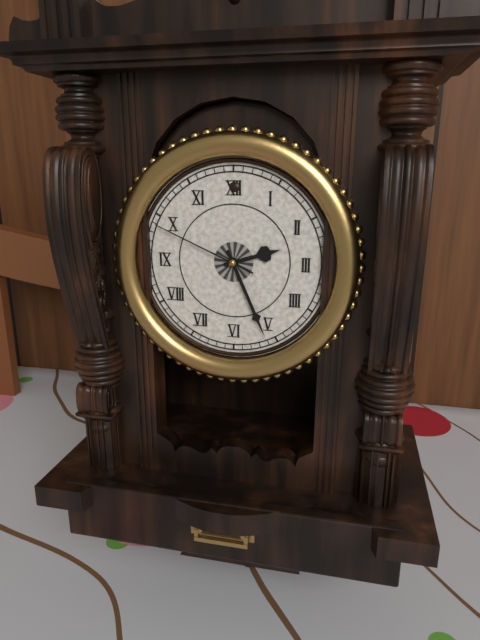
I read 2.26.49
